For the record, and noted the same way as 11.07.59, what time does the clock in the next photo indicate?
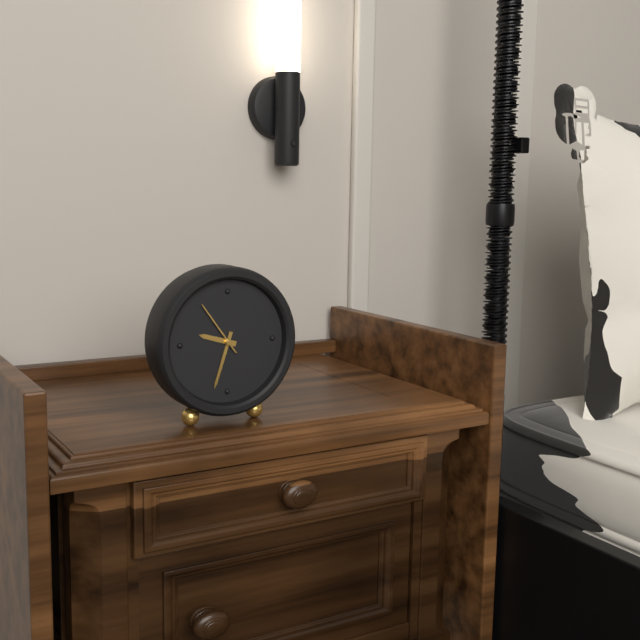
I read 9.33.54
